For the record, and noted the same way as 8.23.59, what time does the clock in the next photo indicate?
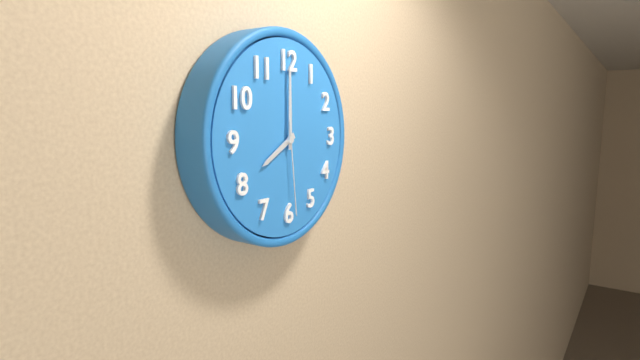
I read 8.00.29
